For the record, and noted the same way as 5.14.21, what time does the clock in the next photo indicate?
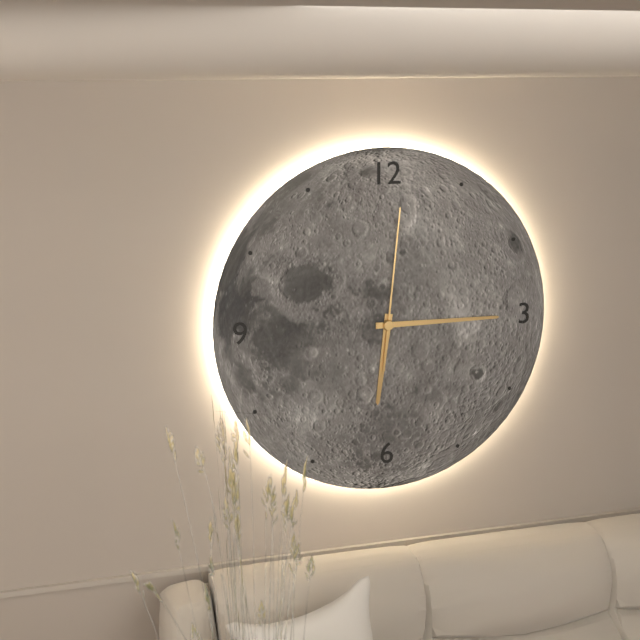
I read 6.15.01
